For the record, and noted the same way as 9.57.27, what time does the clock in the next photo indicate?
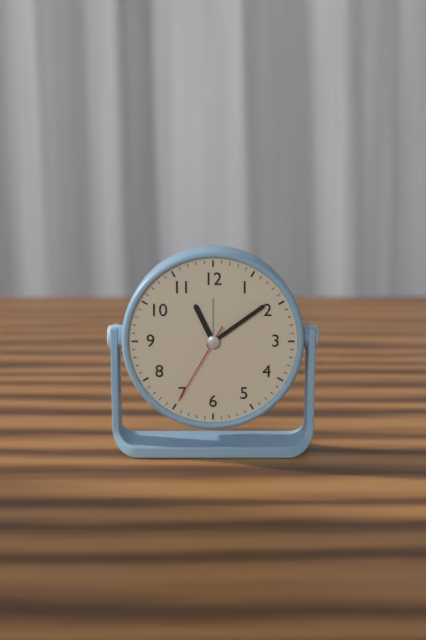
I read 11.09.35
